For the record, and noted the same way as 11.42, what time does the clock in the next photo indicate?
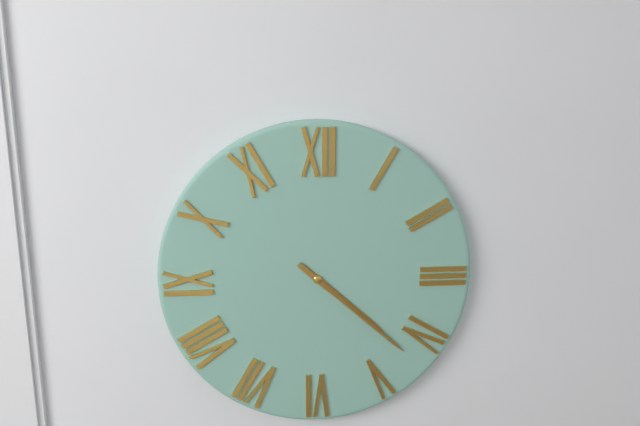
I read 4.22
